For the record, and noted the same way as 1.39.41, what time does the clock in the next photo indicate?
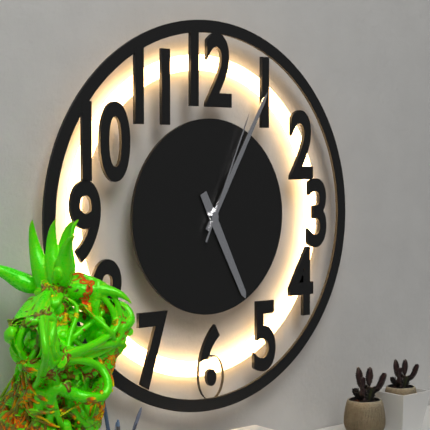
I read 5.05.04
